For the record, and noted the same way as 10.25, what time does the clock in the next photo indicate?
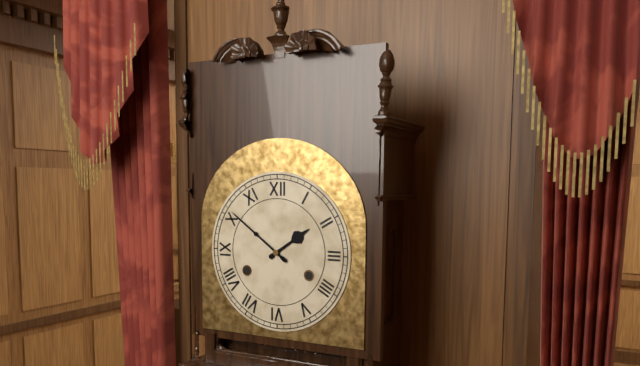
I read 1.51
